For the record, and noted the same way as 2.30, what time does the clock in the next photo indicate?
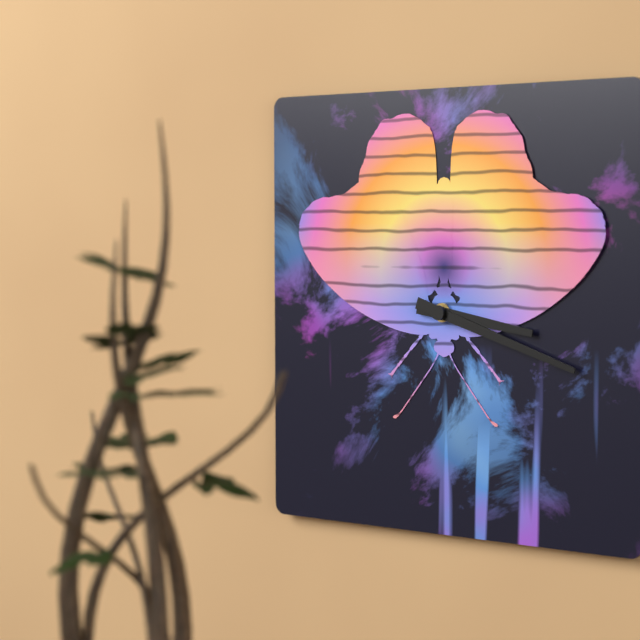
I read 3.18
